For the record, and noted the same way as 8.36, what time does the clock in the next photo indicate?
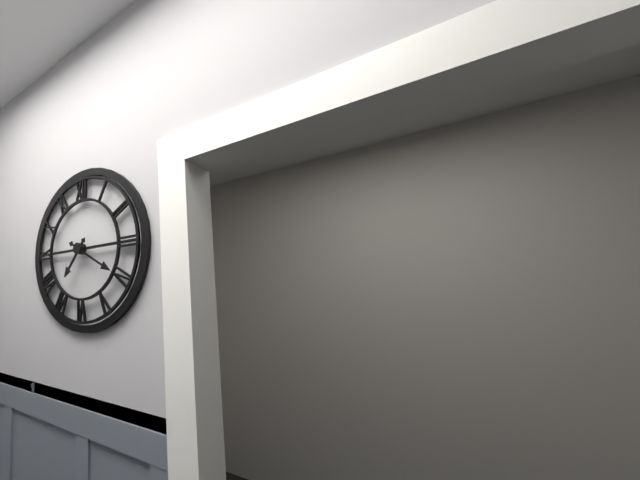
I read 7.20
